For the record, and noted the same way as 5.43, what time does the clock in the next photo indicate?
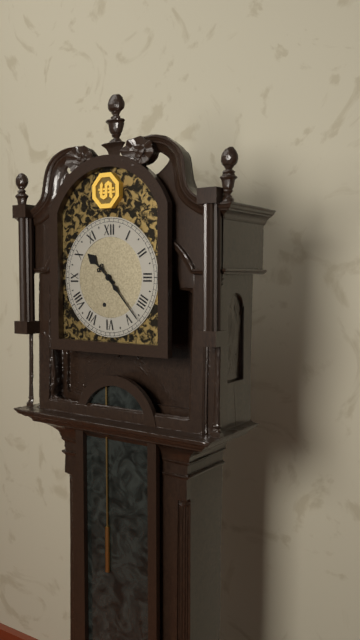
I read 10.23
